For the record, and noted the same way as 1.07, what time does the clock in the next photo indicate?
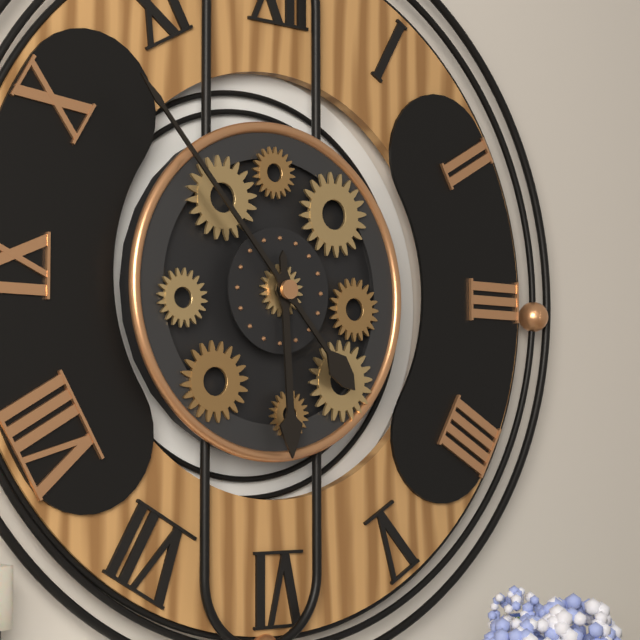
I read 5.53
